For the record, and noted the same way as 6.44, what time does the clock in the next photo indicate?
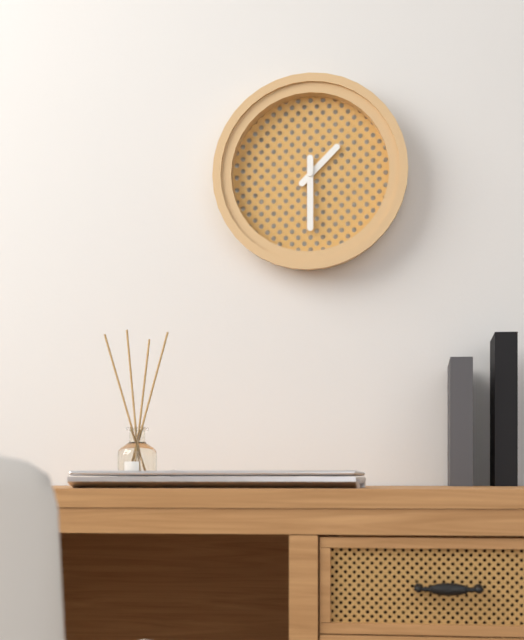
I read 1.30
